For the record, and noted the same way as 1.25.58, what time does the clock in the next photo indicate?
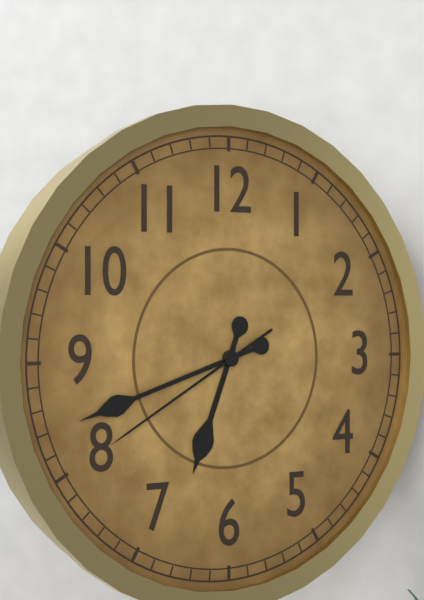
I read 6.42.40
